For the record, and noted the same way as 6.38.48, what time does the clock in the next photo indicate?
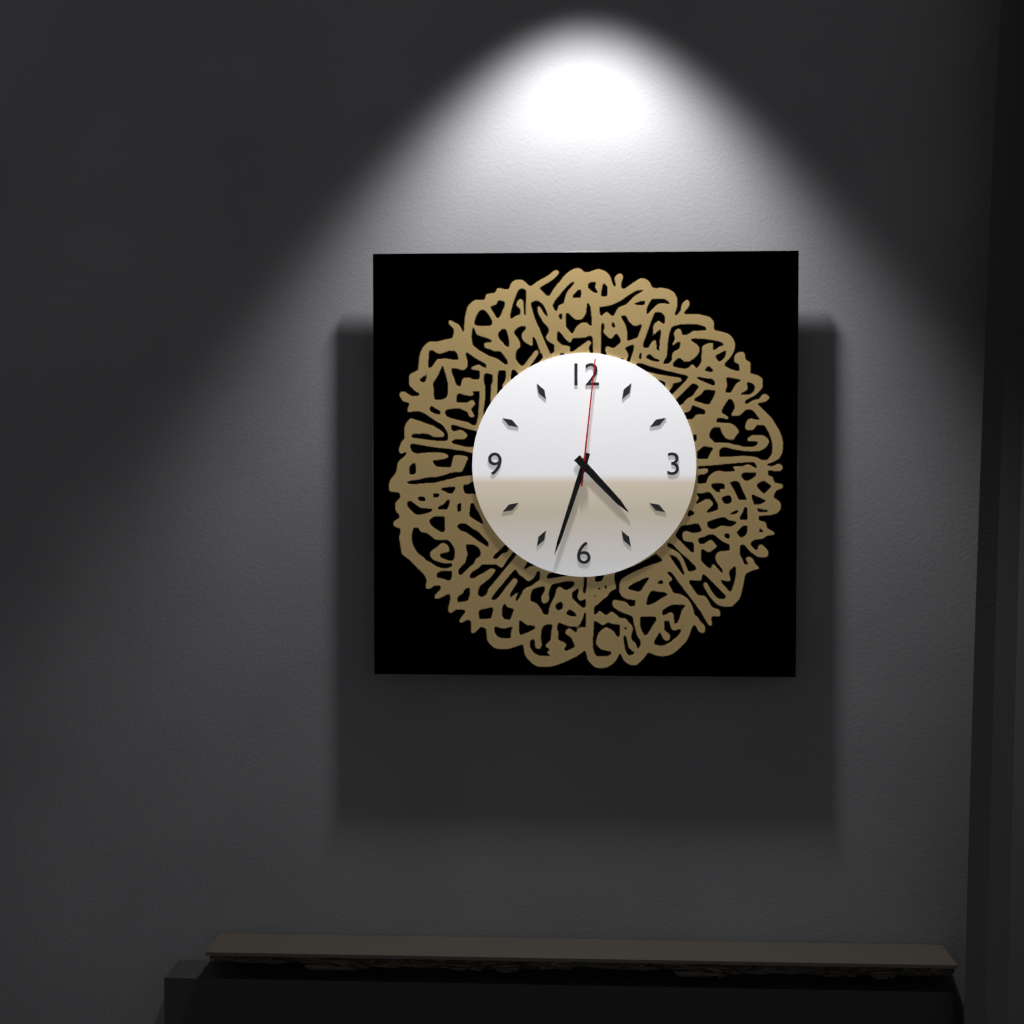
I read 4.33.01
